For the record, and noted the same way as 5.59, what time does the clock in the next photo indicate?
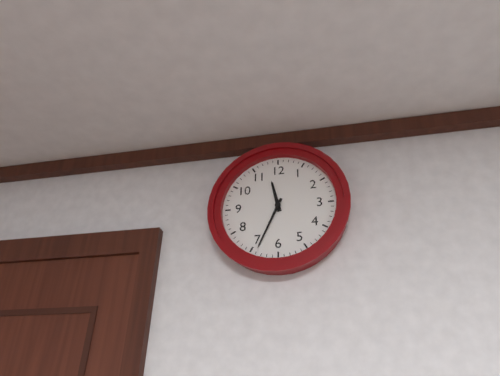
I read 11.34
